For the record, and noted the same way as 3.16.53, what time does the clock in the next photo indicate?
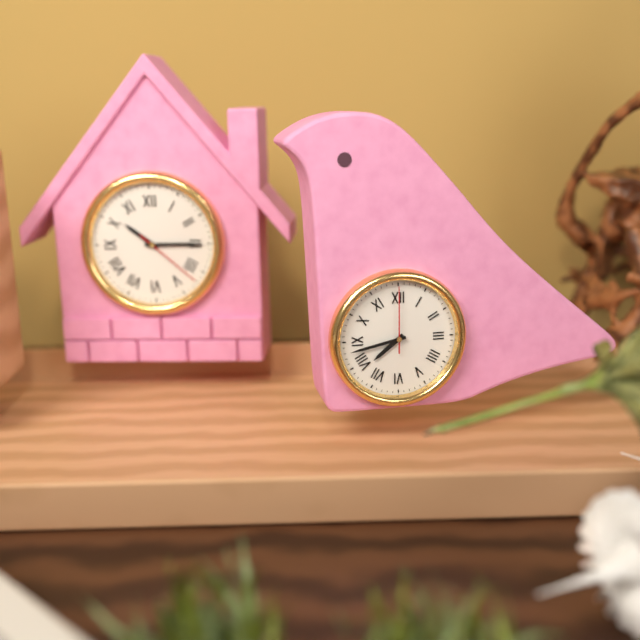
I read 7.43.00
